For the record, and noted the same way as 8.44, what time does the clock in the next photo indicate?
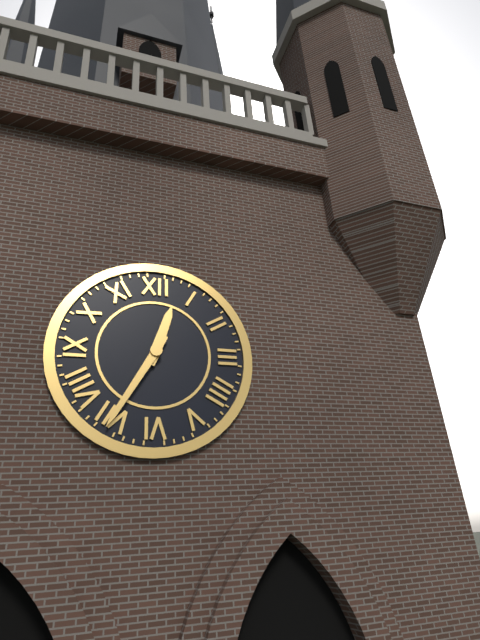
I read 12.35
